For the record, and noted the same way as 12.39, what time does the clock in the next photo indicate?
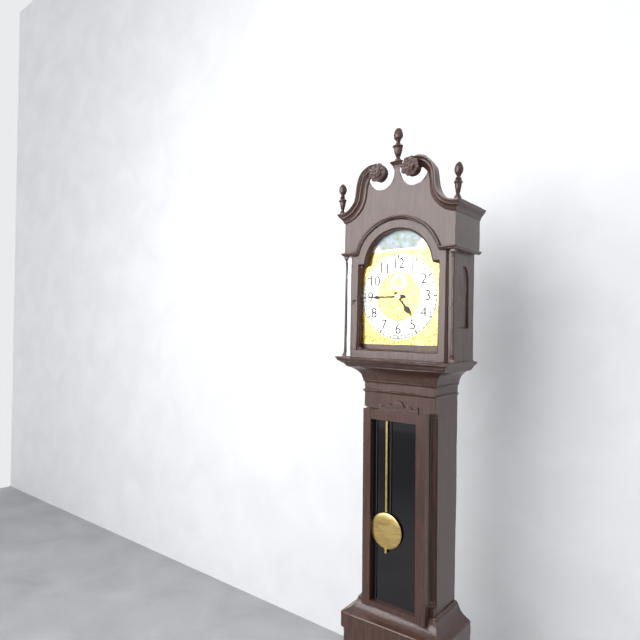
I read 4.45
